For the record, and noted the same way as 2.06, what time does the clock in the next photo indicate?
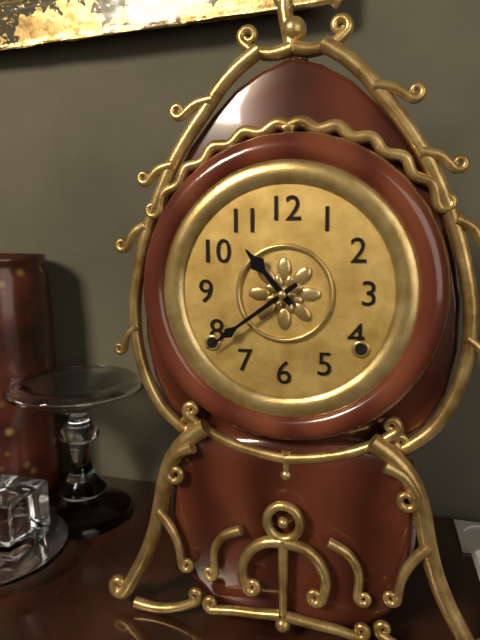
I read 10.39
